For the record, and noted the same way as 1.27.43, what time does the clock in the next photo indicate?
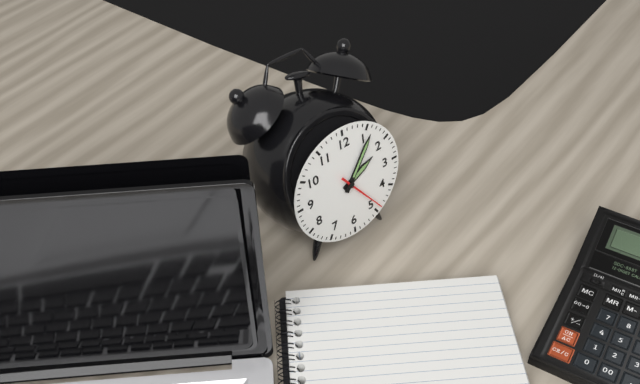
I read 2.06.24
